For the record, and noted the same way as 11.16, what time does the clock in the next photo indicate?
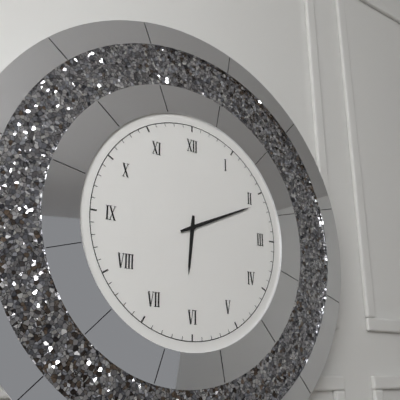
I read 6.11
